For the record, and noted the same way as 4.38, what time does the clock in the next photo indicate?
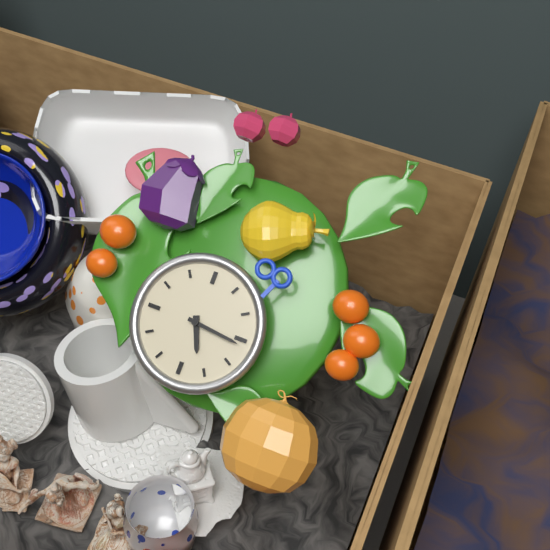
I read 5.16
